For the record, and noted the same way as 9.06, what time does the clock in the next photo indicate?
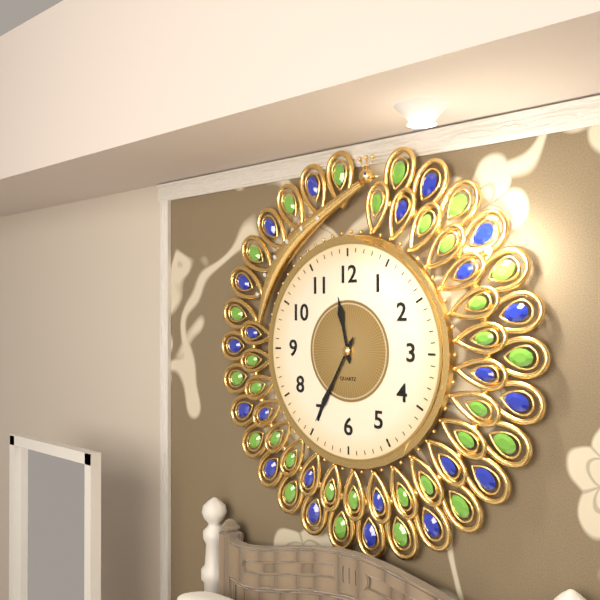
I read 11.35
